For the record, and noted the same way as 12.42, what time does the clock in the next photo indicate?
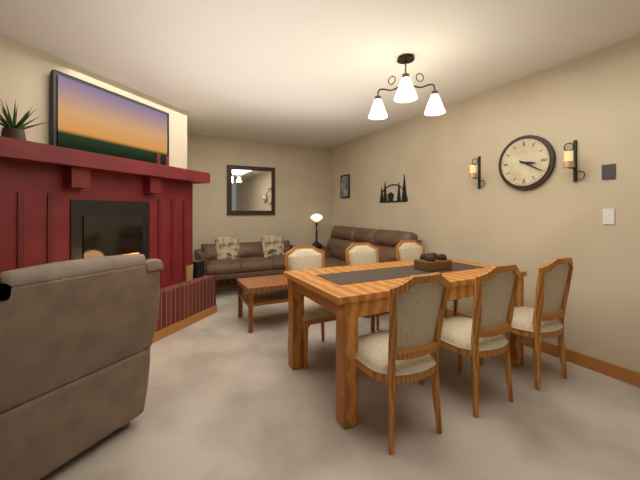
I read 3.20
